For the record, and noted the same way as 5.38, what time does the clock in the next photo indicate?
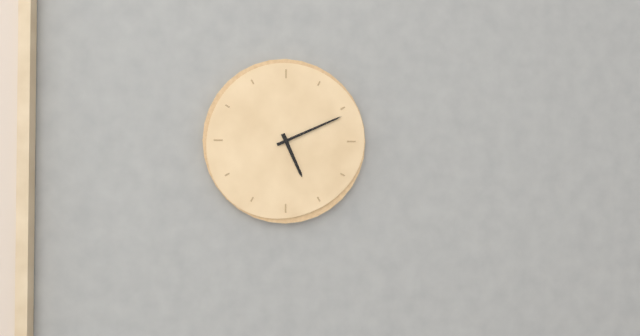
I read 5.11
